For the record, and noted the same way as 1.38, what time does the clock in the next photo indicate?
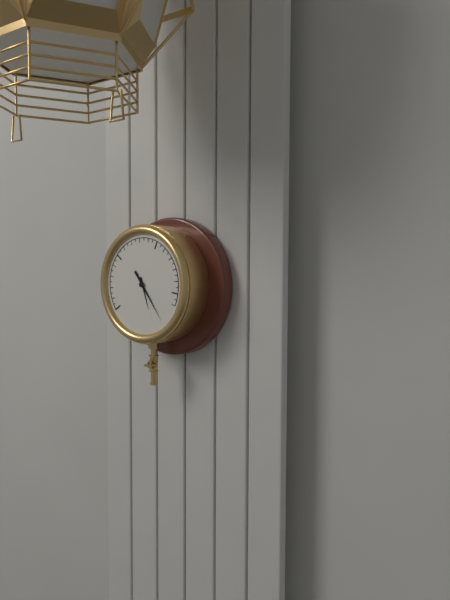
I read 5.24
